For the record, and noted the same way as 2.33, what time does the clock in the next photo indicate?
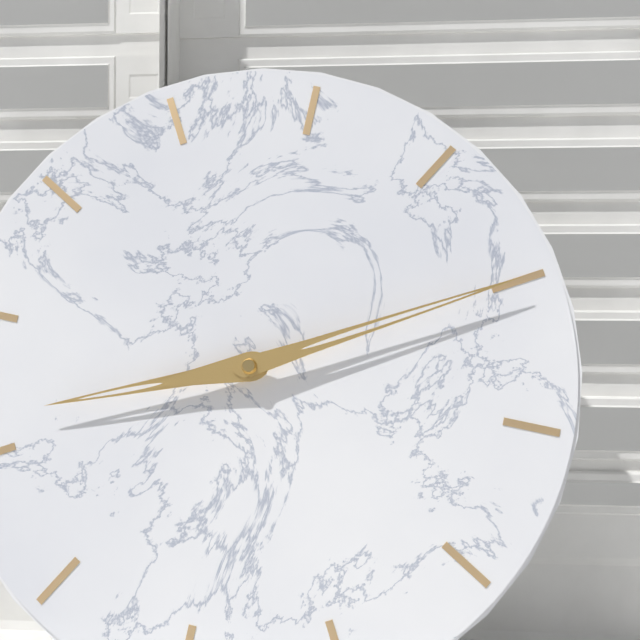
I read 9.15
